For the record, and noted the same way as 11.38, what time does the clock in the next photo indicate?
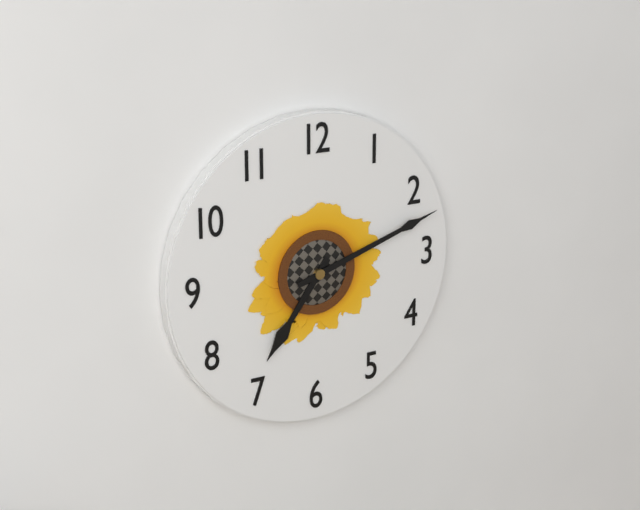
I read 7.12
